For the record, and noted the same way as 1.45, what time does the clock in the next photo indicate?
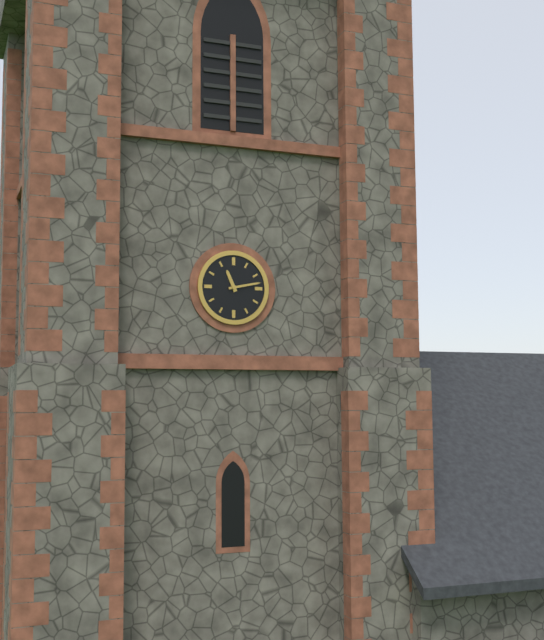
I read 11.13
